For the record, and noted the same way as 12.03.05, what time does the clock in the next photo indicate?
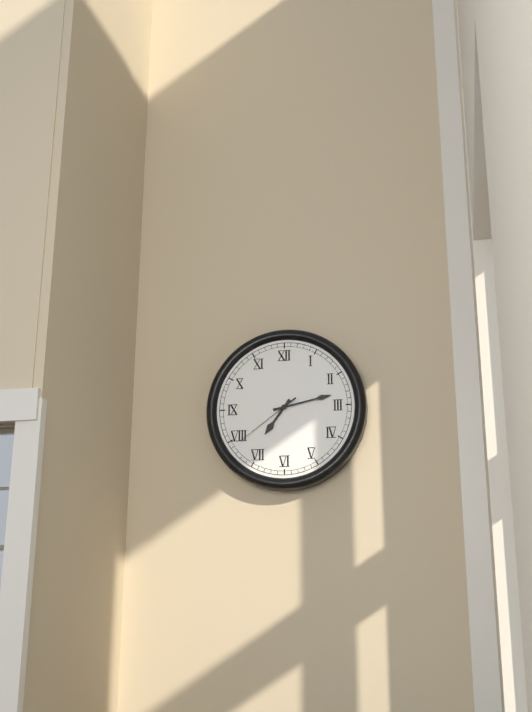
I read 7.13.39
